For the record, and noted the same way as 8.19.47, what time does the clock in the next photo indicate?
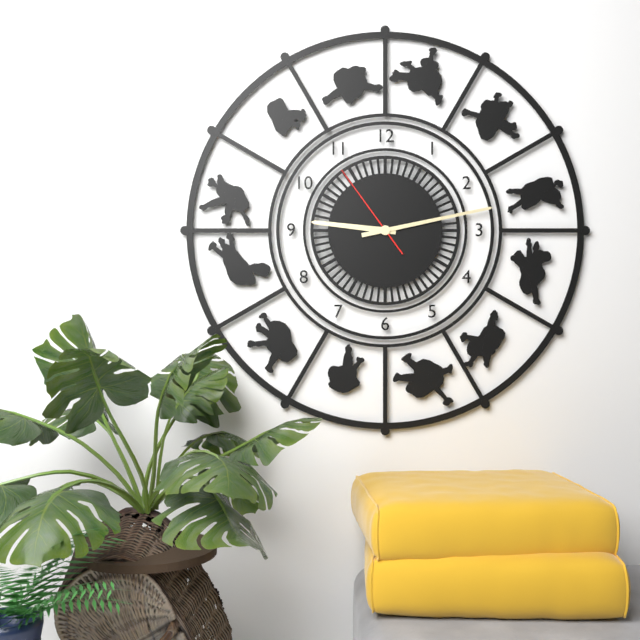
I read 9.13.54
